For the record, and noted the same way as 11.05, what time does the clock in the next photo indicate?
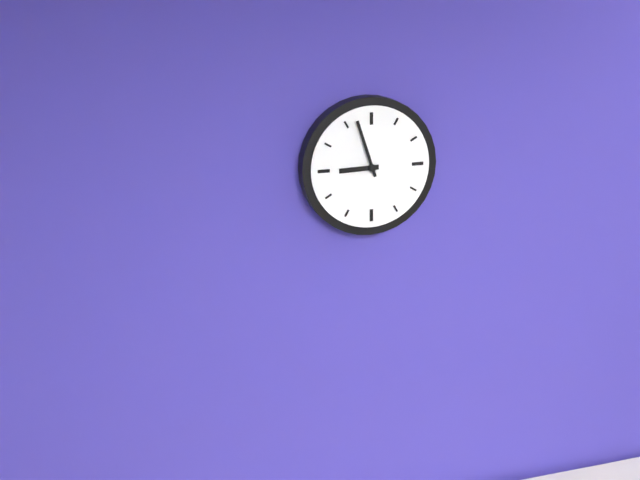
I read 8.57
